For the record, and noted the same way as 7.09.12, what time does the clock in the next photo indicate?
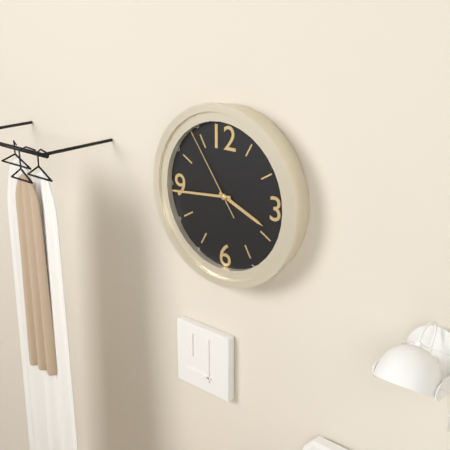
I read 3.44.54
